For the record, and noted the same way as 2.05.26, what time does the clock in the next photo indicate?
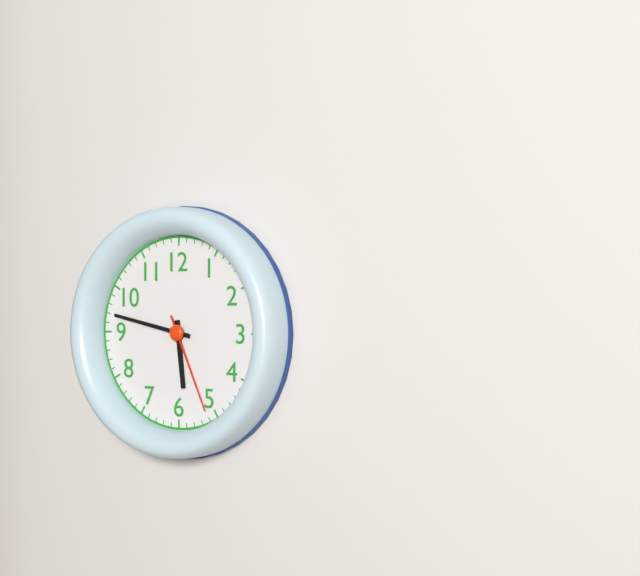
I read 5.47.26
